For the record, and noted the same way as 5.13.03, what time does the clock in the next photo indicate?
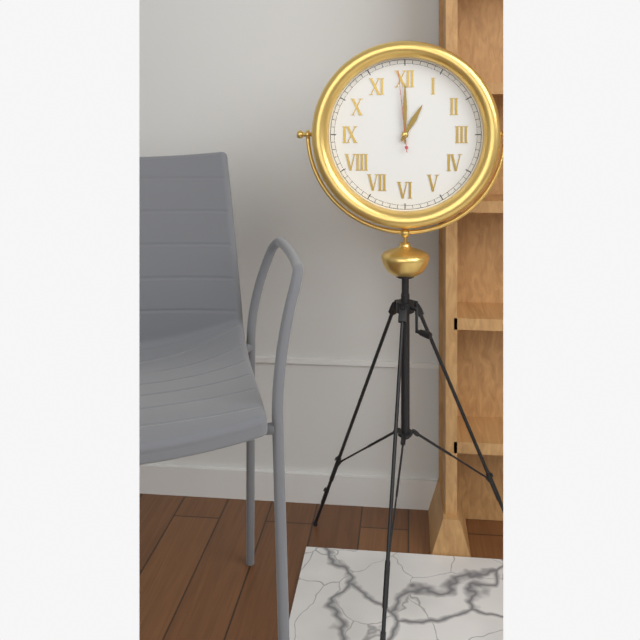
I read 1.00.59
